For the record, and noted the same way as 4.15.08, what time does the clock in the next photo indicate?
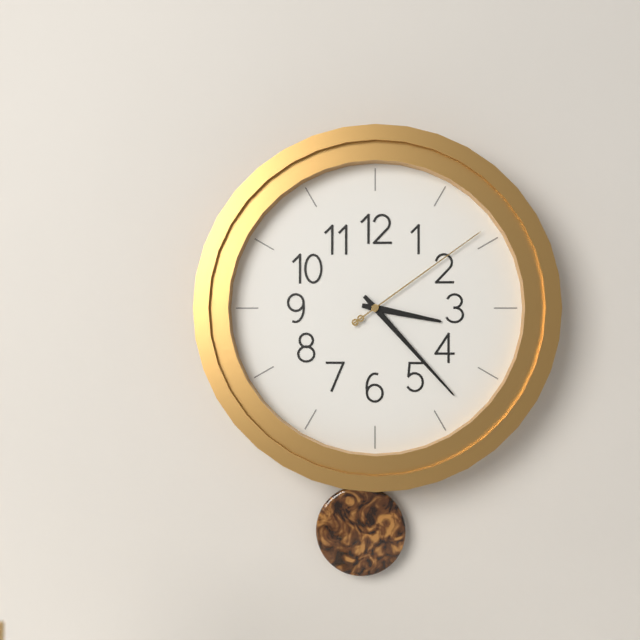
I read 3.23.09
